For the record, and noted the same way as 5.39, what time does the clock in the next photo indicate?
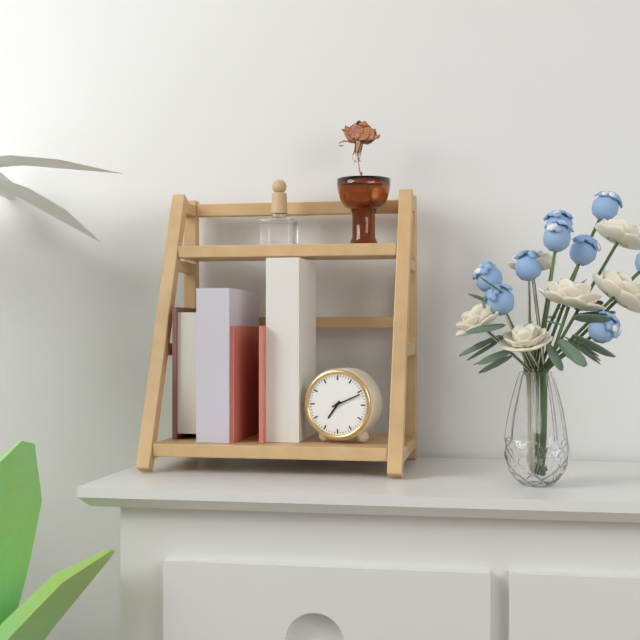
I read 7.11
